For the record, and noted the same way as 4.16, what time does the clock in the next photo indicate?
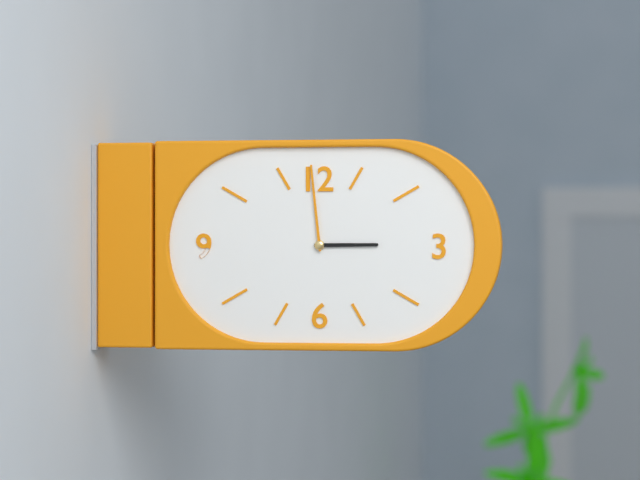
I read 2.59
